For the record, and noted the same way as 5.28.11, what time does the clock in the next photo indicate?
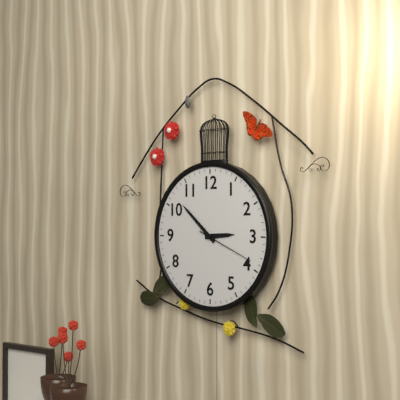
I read 2.52.19
